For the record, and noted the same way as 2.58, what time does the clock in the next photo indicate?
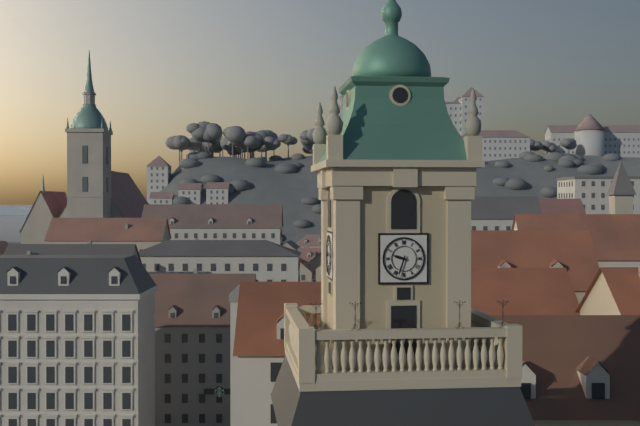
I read 9.33
